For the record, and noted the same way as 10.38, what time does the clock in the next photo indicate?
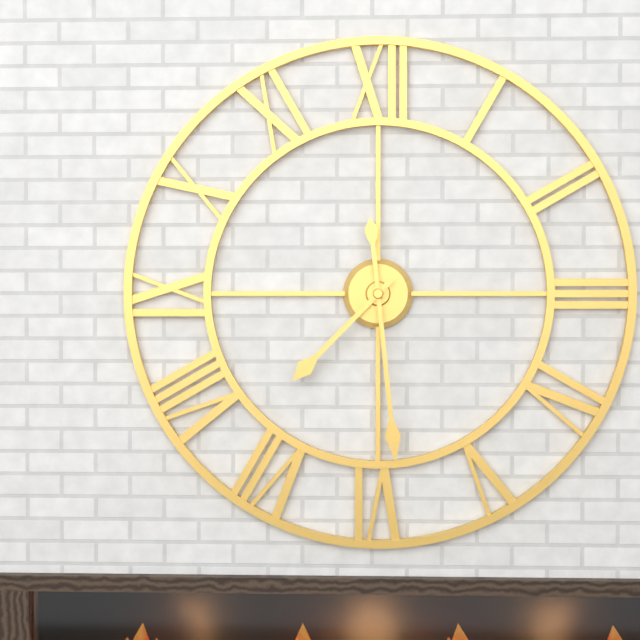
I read 7.29
